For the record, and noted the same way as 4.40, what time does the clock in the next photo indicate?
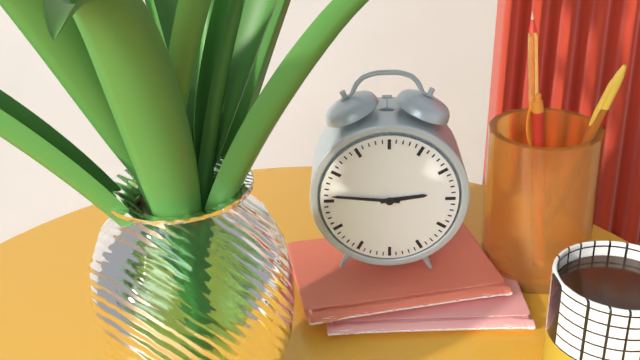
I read 2.46
